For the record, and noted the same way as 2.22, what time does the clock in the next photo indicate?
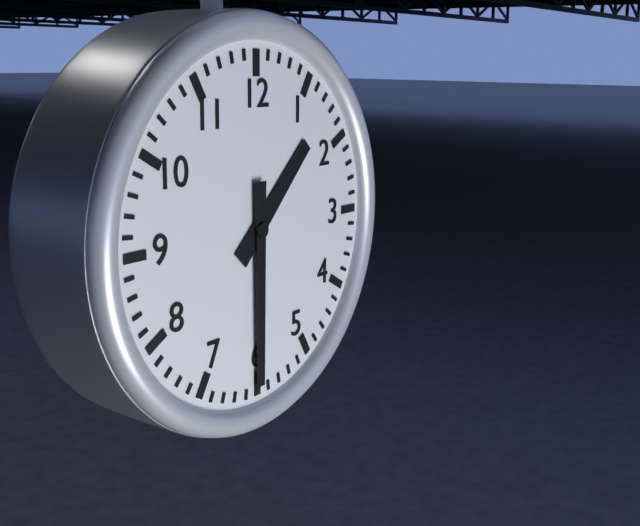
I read 1.30
